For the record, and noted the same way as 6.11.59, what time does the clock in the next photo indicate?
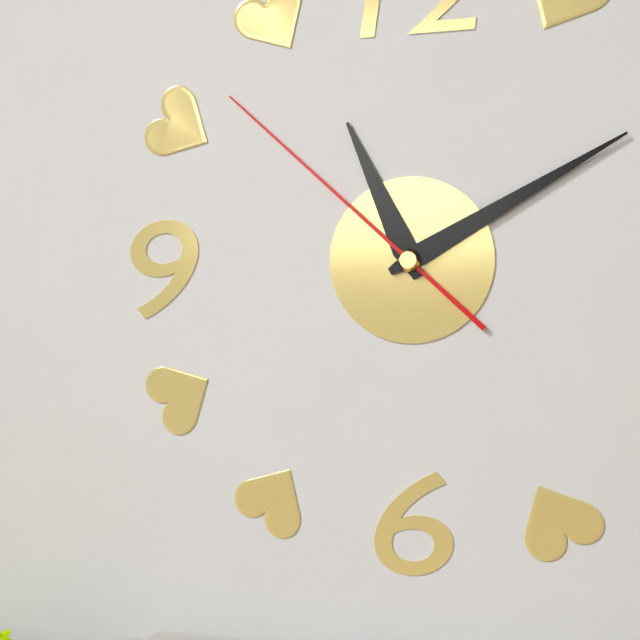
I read 11.10.52
